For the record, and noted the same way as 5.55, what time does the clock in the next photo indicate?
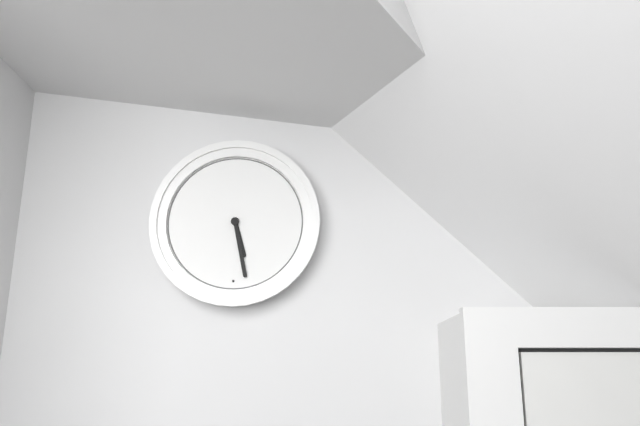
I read 5.28
